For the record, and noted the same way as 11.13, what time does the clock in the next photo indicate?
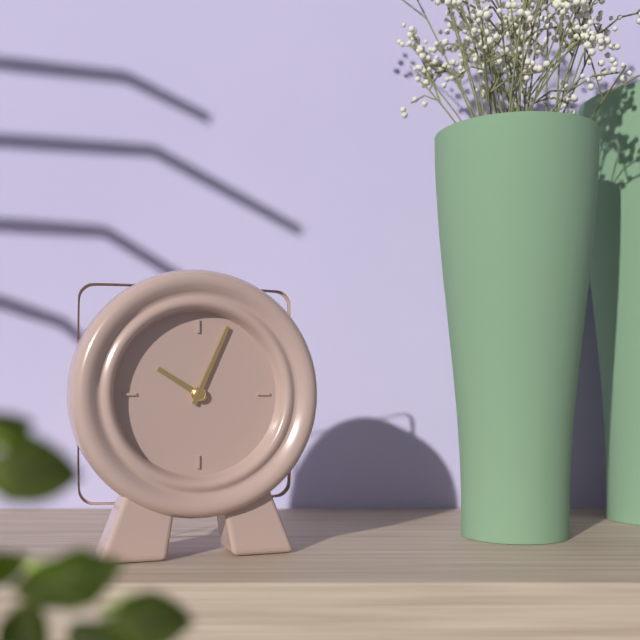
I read 10.04
